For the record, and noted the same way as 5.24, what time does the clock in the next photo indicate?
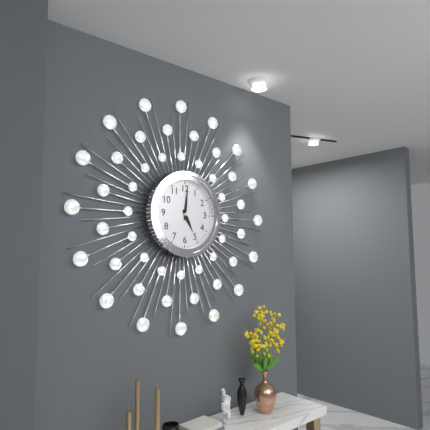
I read 5.01
